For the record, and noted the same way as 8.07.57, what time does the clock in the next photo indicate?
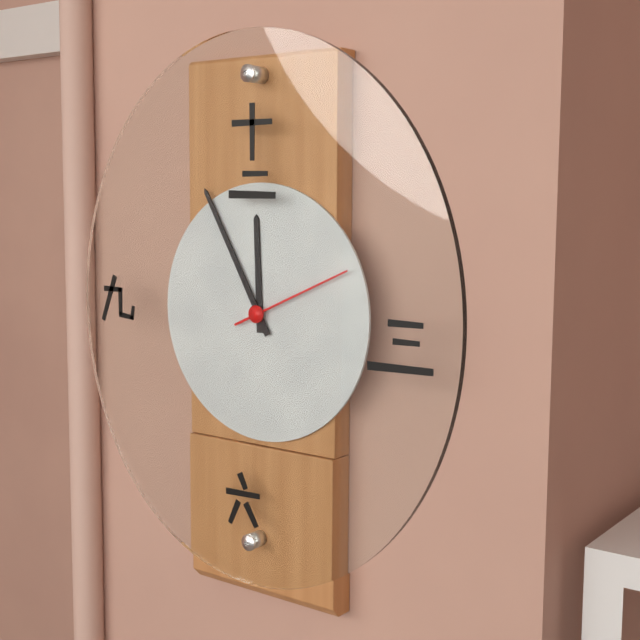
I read 11.55.11
